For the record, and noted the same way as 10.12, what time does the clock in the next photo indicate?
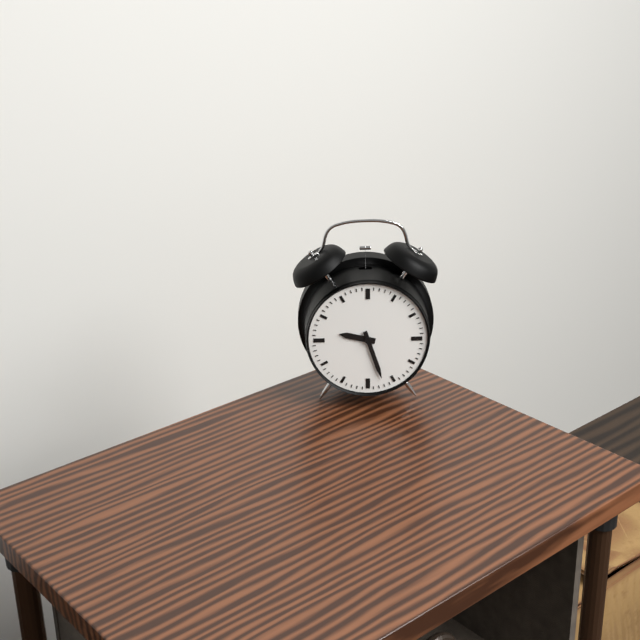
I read 9.27
